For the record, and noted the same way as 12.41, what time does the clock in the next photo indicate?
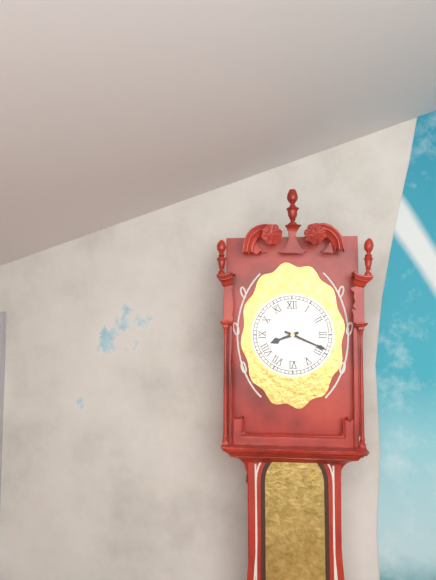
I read 8.19
